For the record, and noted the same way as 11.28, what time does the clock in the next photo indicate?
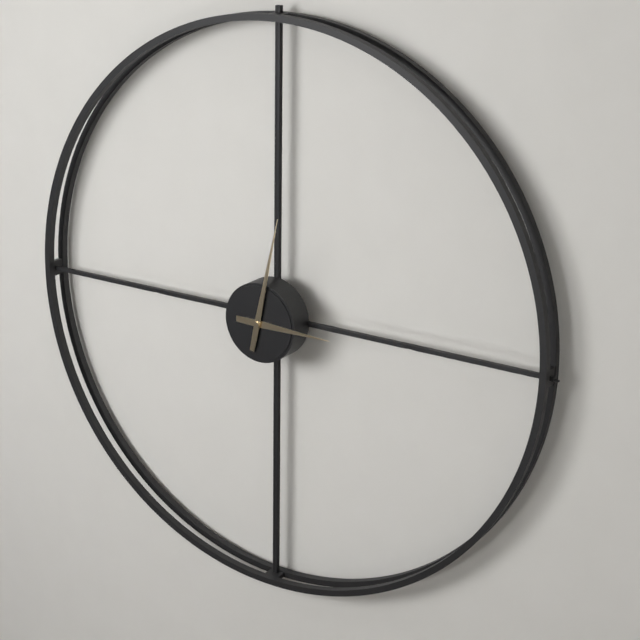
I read 3.02
